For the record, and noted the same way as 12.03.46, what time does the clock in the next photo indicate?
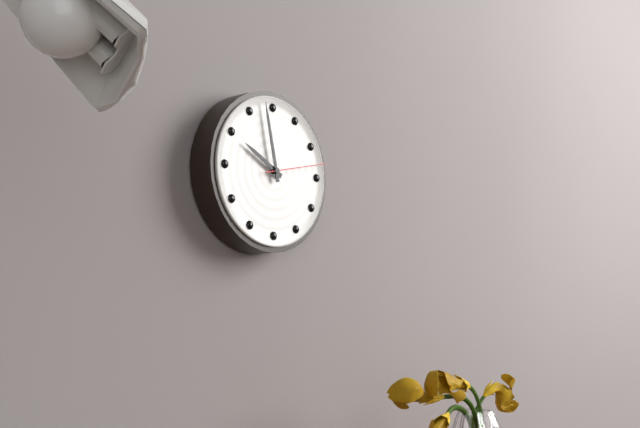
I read 9.58.13
